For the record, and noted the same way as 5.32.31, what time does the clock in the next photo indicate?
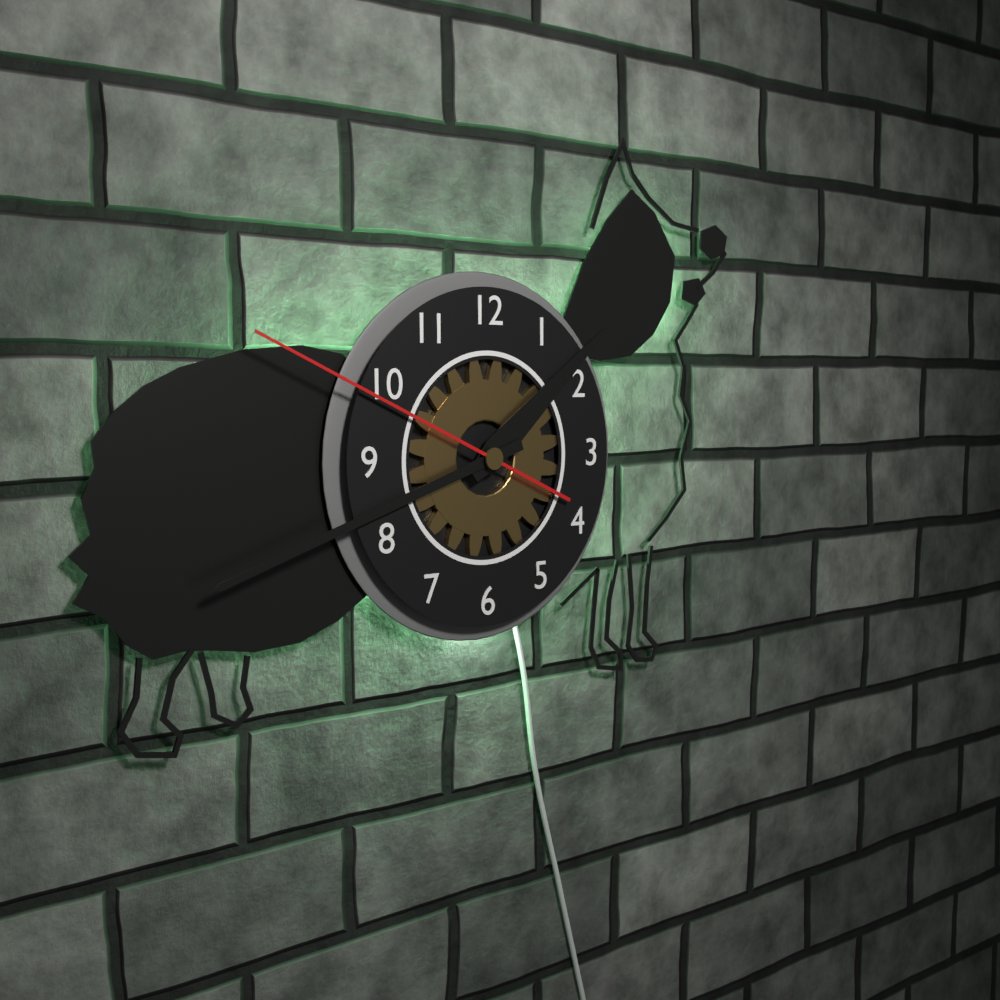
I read 1.42.49
